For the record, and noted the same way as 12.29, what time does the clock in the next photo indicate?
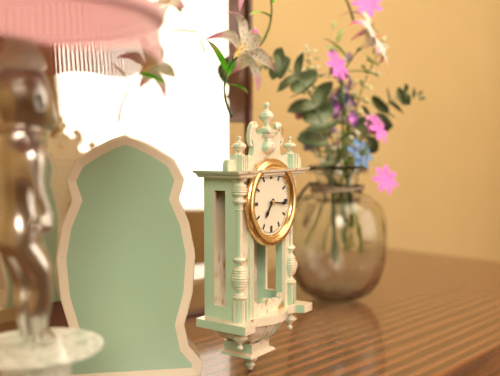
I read 7.16
